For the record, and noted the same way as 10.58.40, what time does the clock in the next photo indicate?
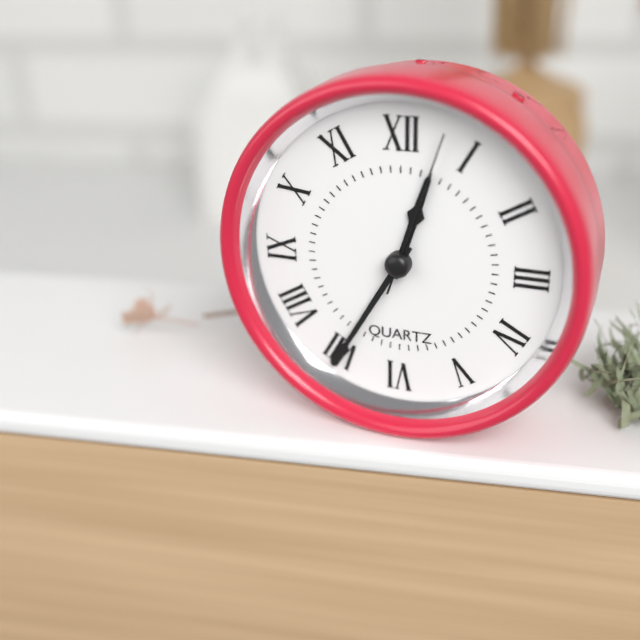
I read 12.35.03
